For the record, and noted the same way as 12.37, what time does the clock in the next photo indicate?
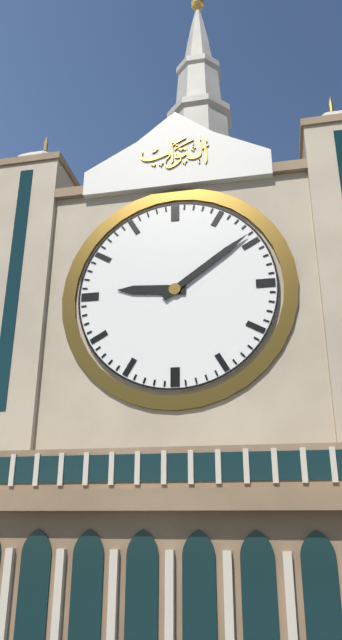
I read 9.09
